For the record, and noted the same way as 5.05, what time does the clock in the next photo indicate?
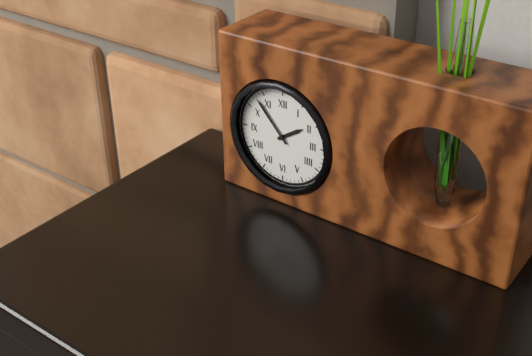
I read 1.53
